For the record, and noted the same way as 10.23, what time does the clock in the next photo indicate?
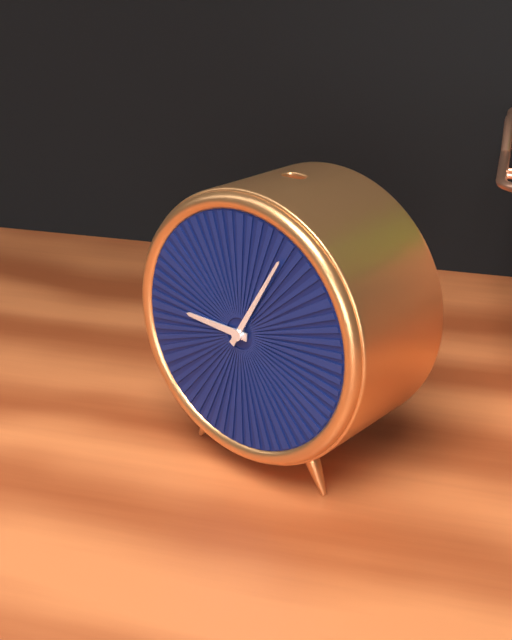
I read 9.05
